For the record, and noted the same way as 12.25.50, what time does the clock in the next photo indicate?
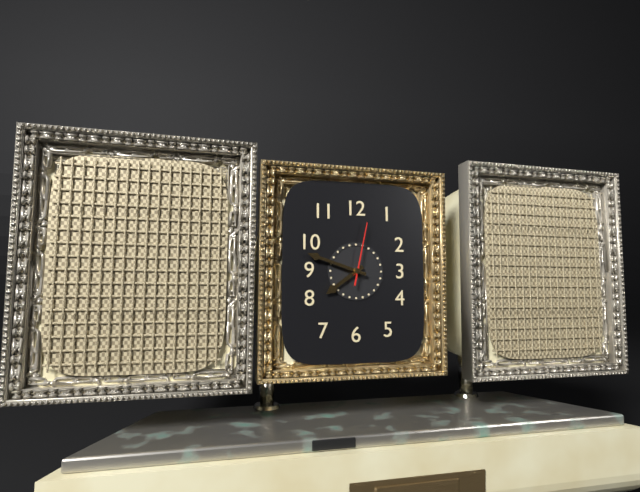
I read 7.48.02
